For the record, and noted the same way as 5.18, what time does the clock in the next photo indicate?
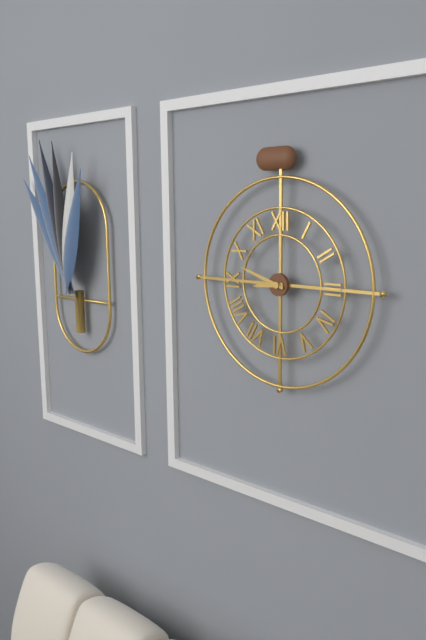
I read 8.48
